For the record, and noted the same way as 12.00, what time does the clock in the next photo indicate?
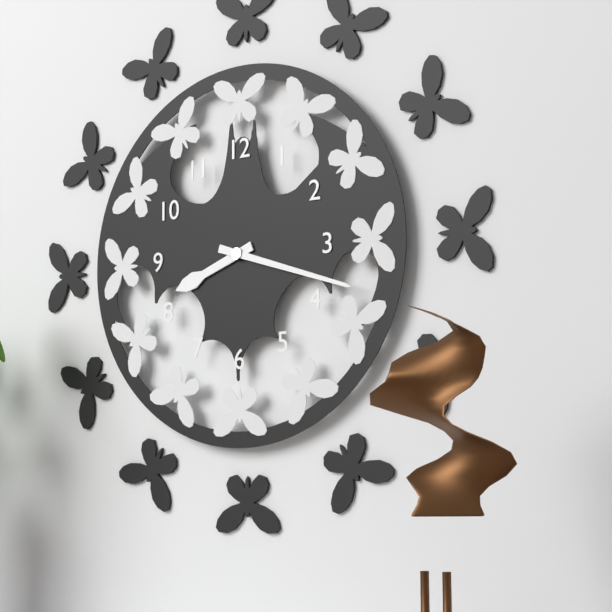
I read 8.18
